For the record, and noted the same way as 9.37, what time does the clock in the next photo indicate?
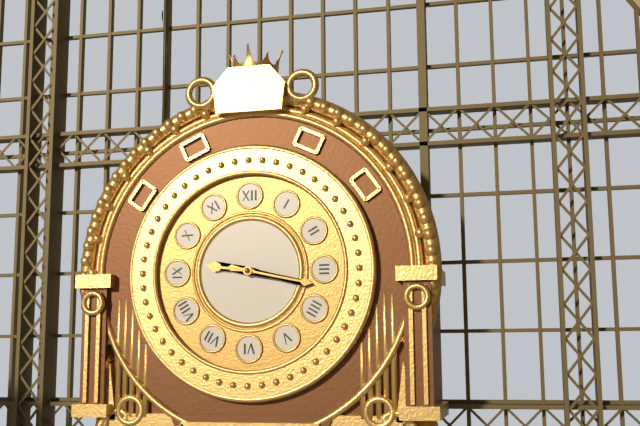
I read 9.17
